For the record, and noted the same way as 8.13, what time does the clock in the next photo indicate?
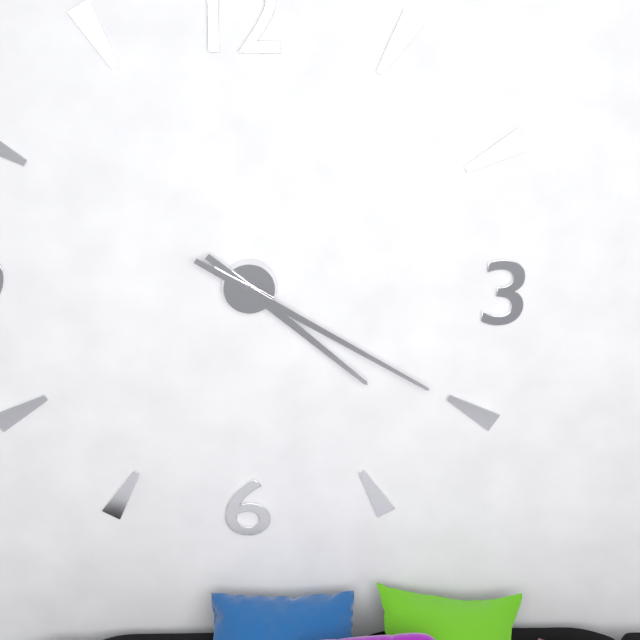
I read 4.20
